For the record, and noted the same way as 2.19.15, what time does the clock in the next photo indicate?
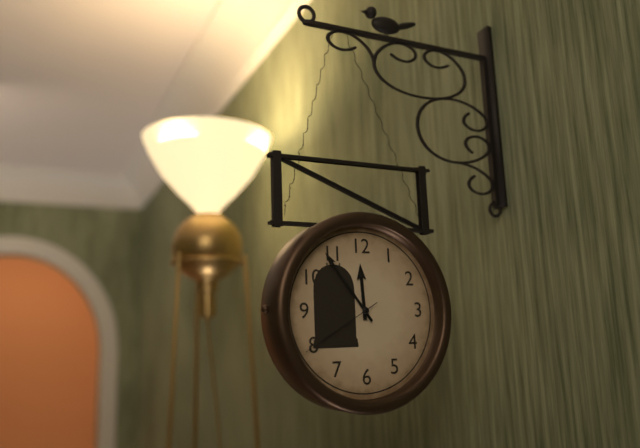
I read 11.54.40
